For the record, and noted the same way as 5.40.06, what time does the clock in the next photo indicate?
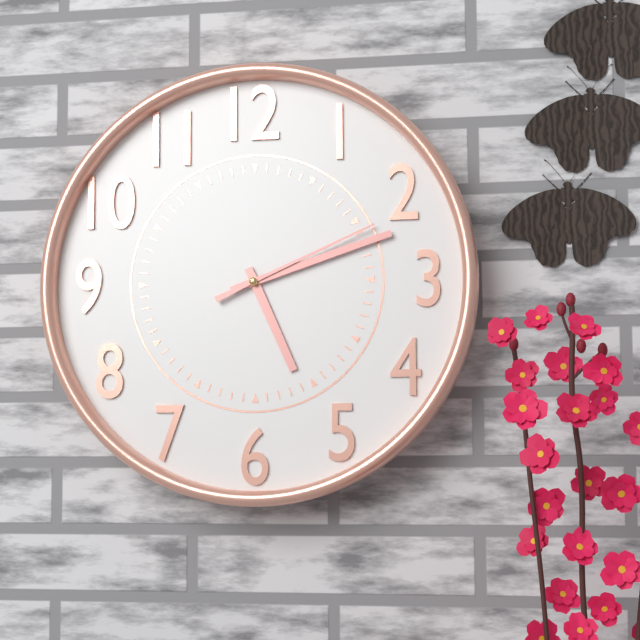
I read 5.12.11
